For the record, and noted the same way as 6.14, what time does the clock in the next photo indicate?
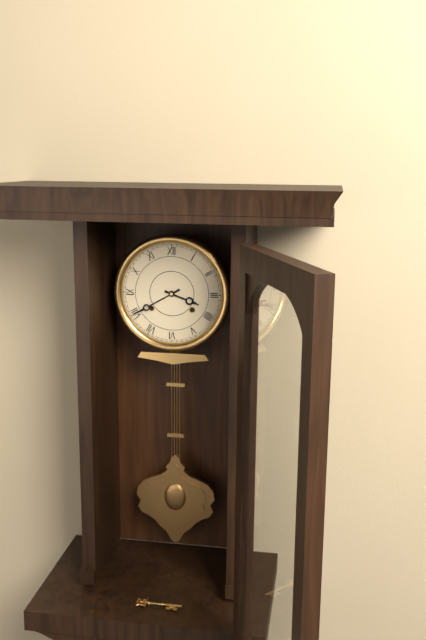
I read 3.40
